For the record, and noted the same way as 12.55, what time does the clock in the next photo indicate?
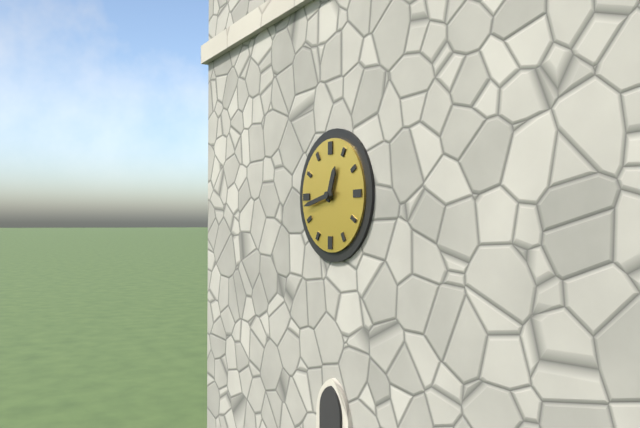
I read 12.43
